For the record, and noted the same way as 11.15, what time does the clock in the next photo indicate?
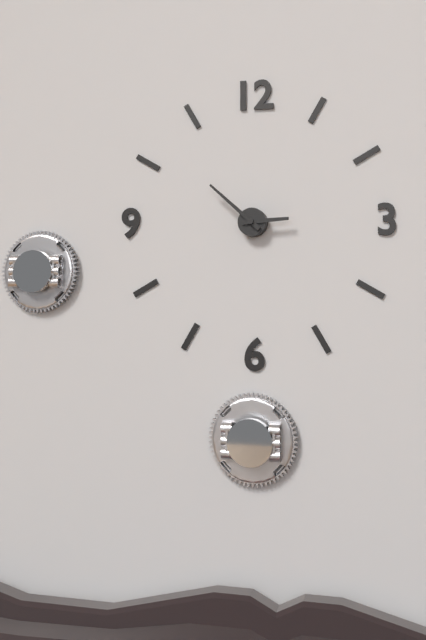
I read 2.52
